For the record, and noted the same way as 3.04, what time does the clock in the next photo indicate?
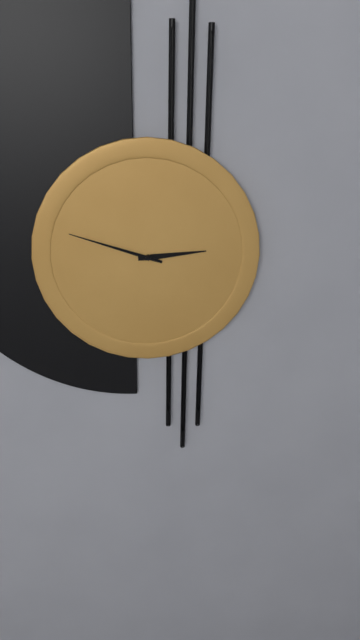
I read 2.48
